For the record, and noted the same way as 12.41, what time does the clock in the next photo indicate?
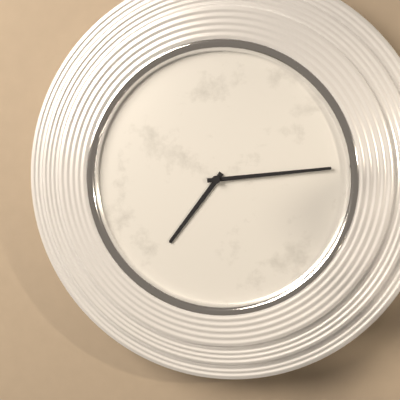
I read 7.14
